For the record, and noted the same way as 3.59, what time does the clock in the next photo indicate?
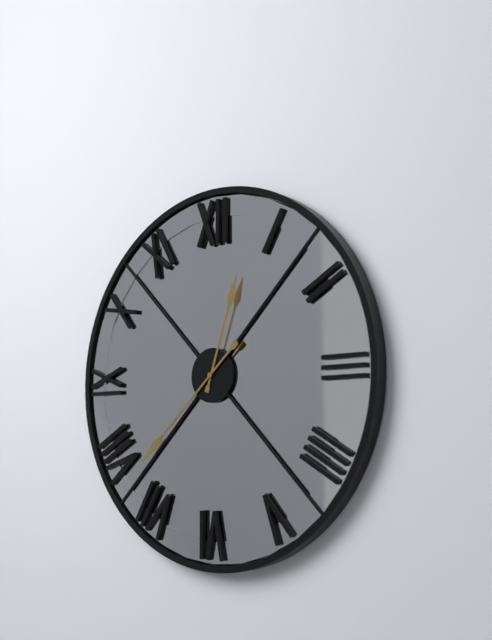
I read 12.38
